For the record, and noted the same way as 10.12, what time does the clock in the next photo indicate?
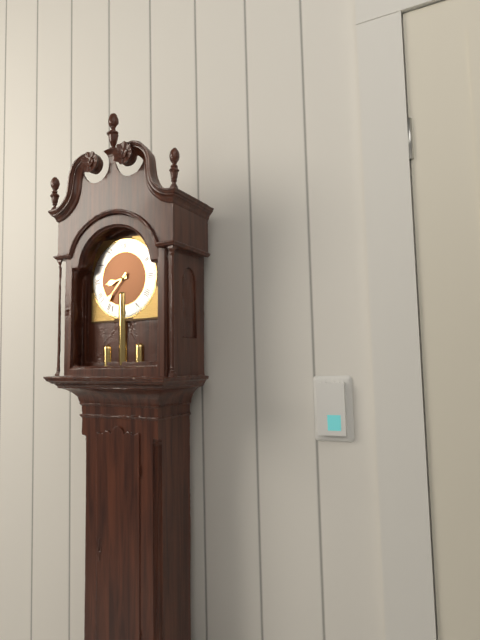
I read 8.37
